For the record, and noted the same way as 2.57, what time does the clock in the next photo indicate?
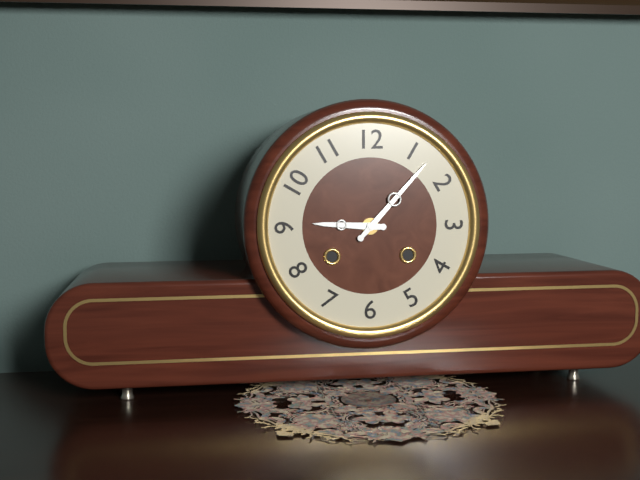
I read 9.07
